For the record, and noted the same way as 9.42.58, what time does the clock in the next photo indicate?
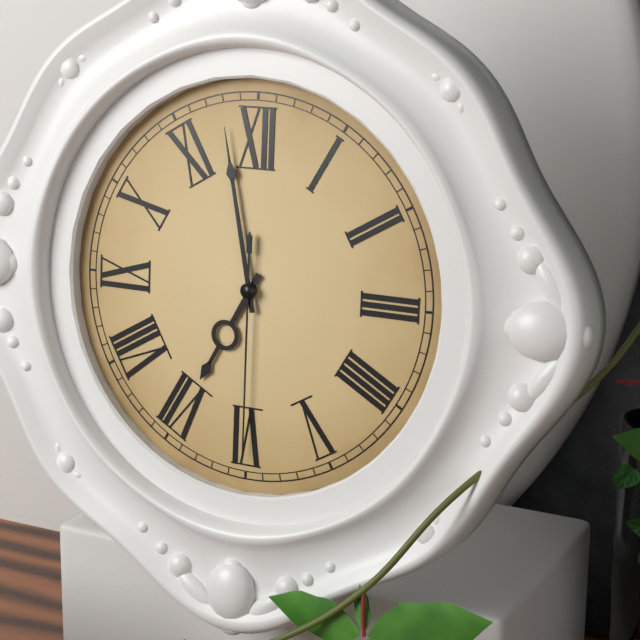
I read 6.58.30
